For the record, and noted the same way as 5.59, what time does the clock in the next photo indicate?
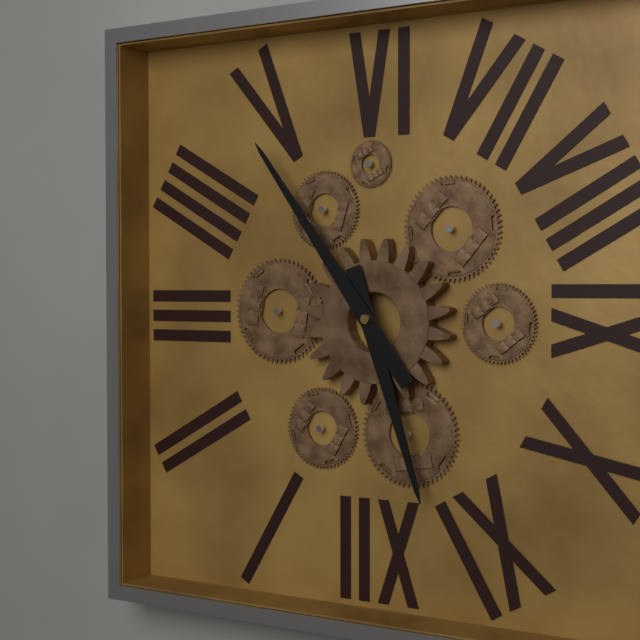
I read 11.24
